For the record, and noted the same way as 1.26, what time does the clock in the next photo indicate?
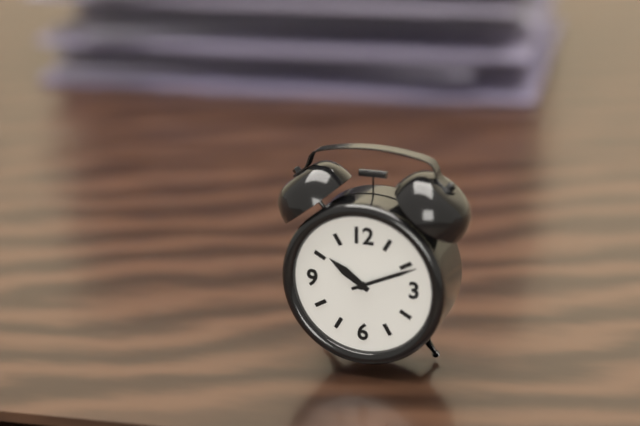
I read 10.11
